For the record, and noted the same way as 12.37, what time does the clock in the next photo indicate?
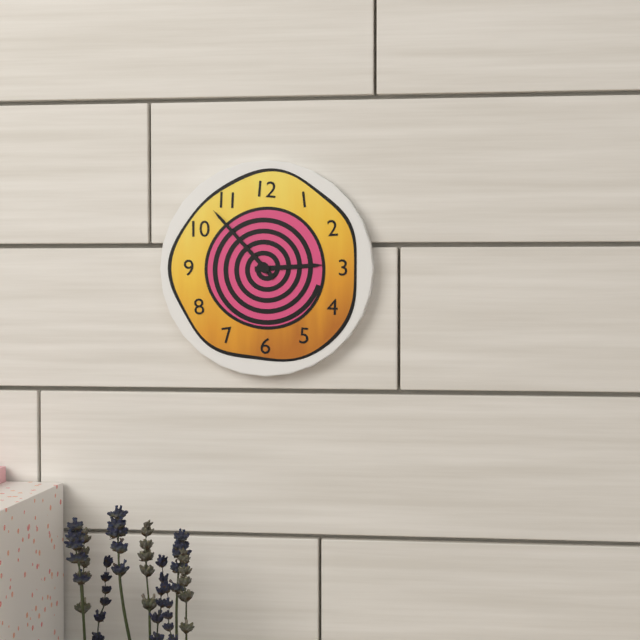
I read 2.53
